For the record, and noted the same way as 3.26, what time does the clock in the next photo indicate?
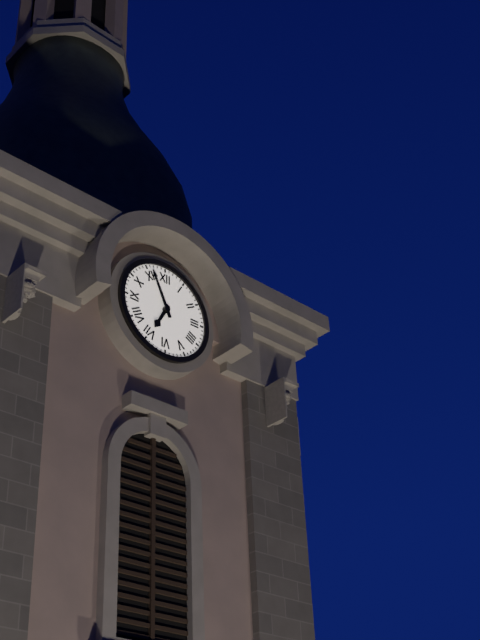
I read 6.56
